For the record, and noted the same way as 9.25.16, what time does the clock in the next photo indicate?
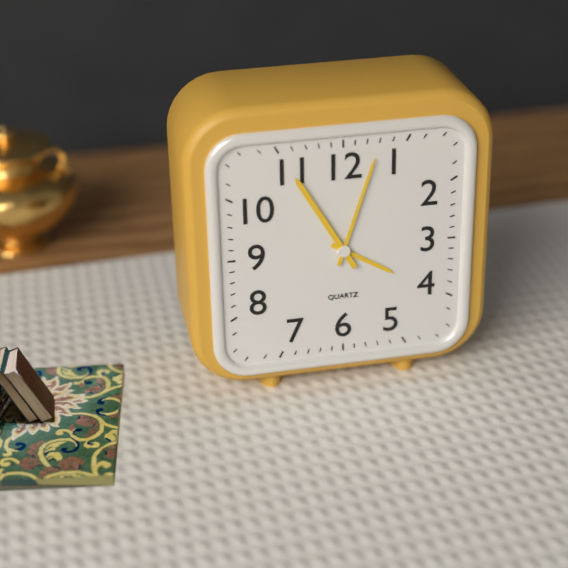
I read 4.03.55
